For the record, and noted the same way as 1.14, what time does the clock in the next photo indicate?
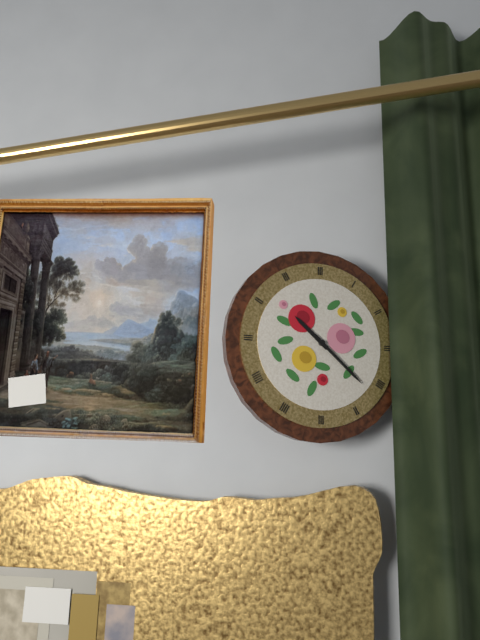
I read 10.22
